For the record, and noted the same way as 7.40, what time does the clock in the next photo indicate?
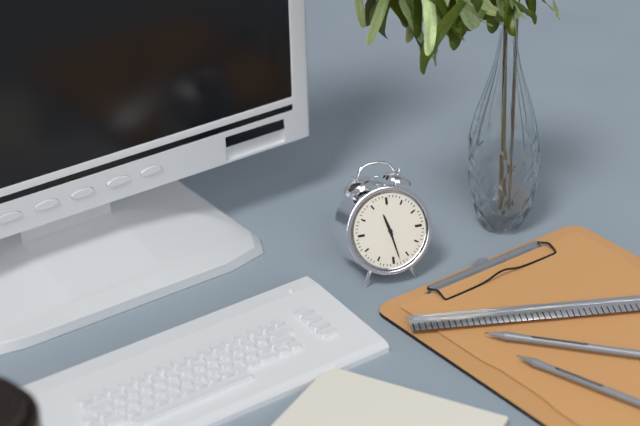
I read 11.28
